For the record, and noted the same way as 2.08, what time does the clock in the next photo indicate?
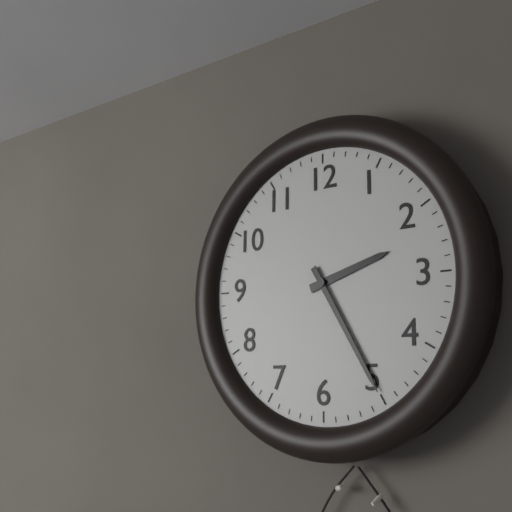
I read 2.25
